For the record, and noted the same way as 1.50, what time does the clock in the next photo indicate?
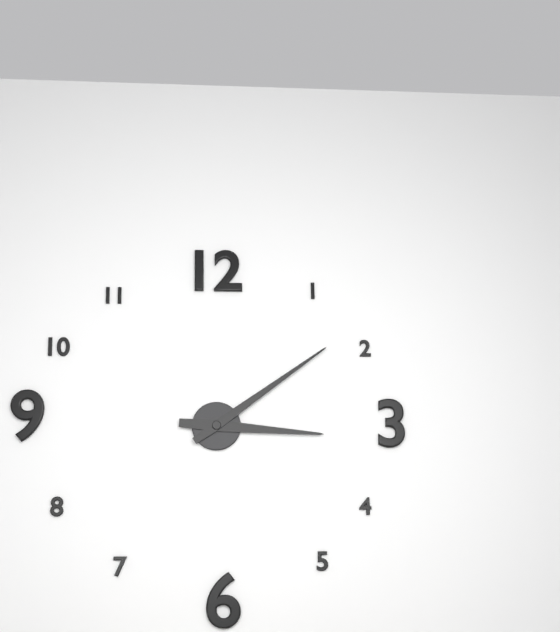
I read 3.09
